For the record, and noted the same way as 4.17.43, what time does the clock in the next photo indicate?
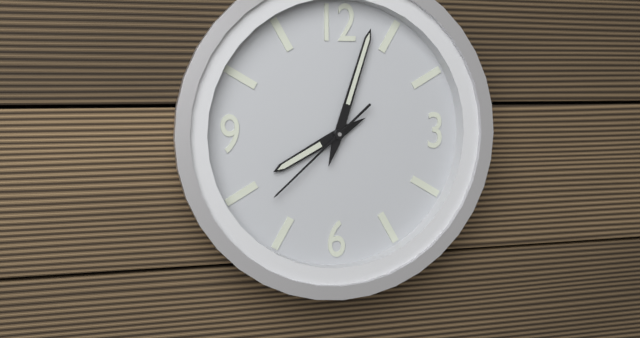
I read 8.03.38
